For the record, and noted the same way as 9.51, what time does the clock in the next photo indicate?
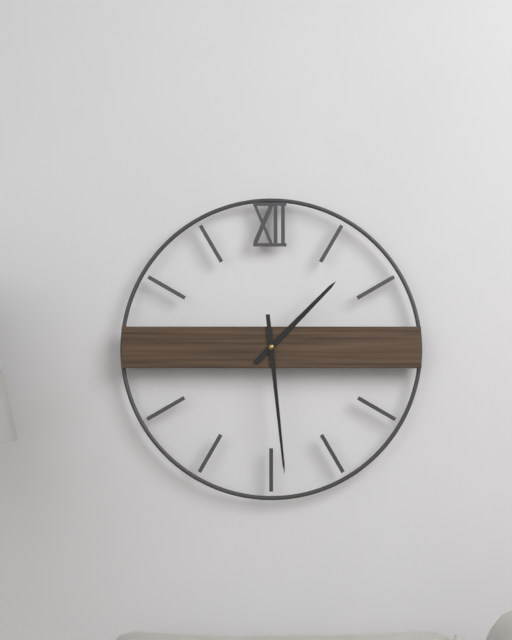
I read 1.29
